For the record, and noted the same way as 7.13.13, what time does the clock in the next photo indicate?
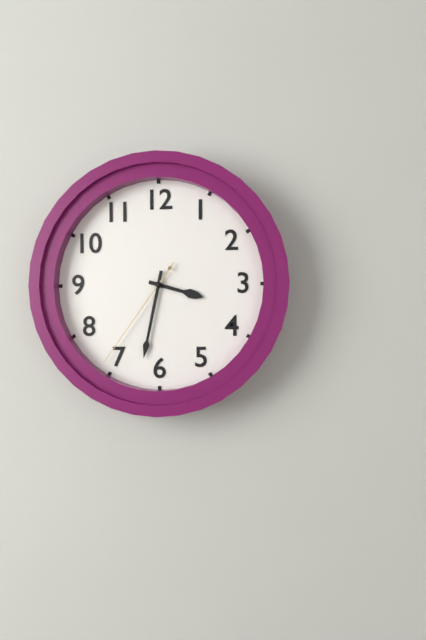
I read 3.32.36
